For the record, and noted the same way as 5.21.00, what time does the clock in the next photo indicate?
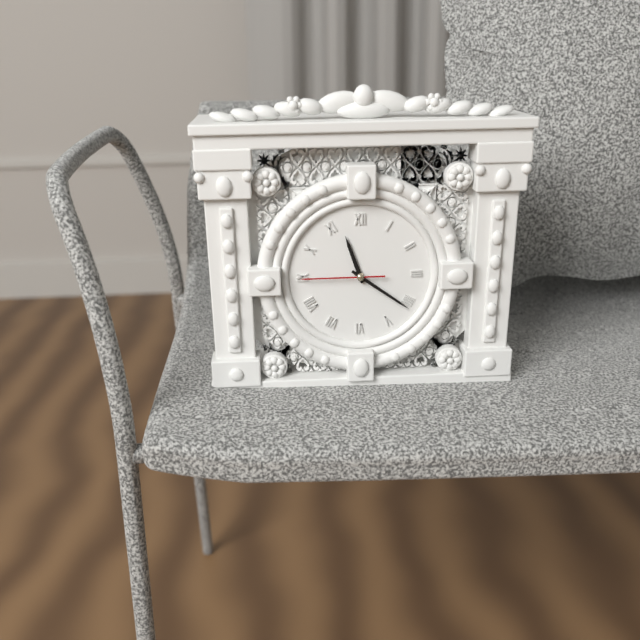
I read 11.21.45
